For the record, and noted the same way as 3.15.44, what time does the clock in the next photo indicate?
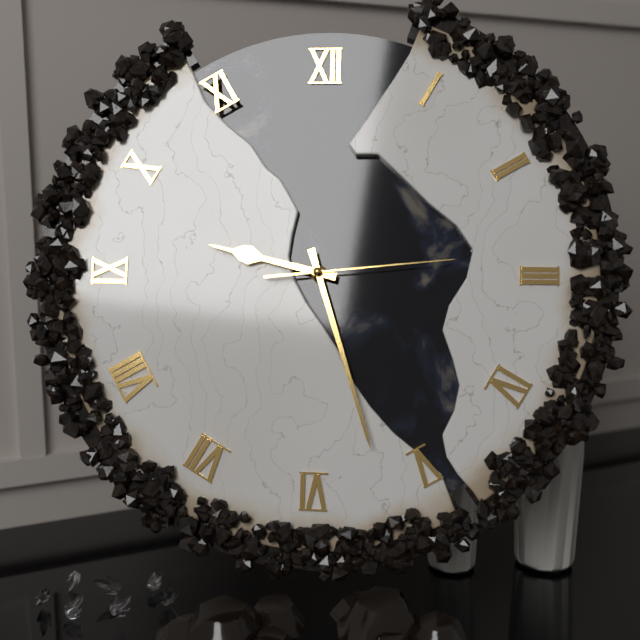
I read 9.27.14
